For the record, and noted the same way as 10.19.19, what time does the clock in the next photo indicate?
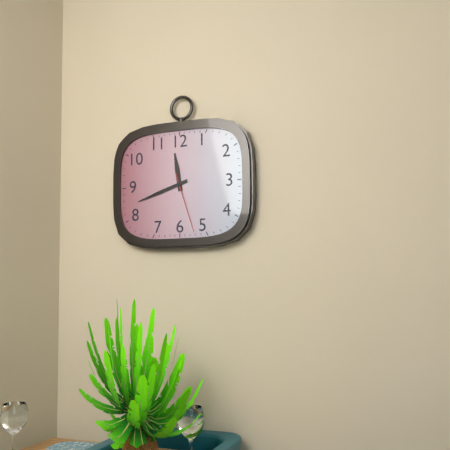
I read 11.42.27
